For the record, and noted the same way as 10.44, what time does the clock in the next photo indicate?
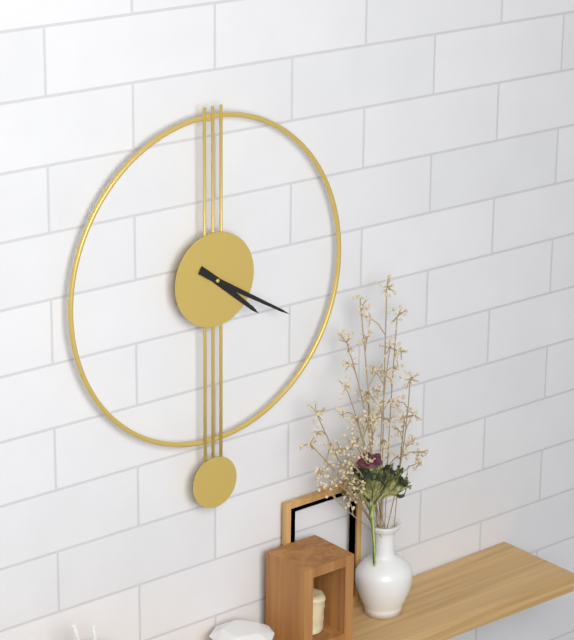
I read 4.20
